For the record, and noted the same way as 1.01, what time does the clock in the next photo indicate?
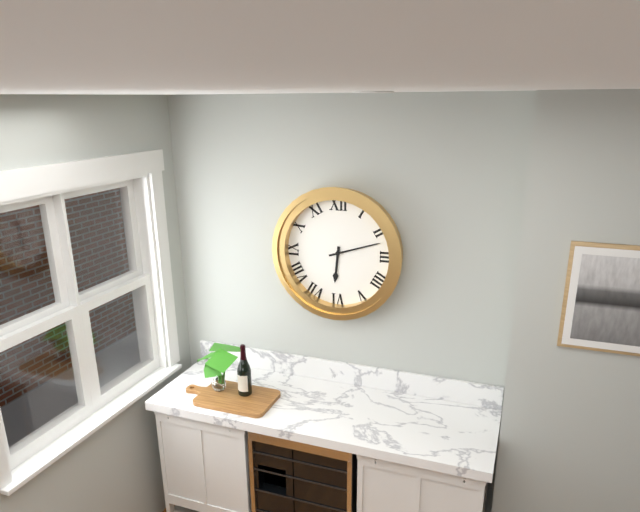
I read 6.12
